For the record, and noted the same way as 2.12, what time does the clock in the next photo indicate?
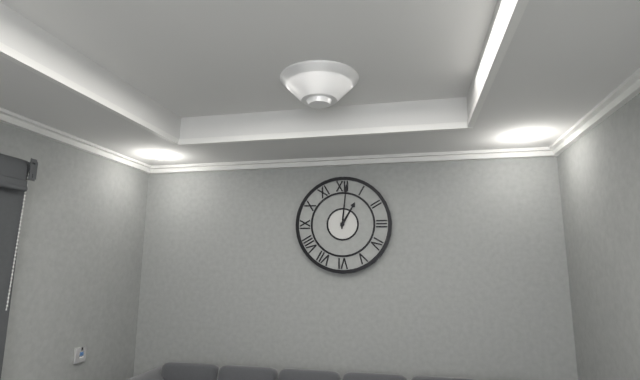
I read 1.01
